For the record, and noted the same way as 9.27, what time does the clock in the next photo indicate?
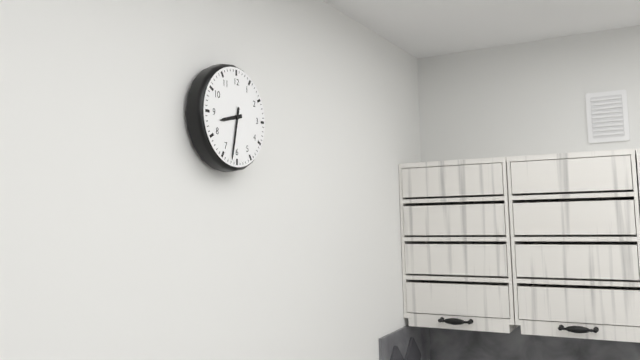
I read 8.32
